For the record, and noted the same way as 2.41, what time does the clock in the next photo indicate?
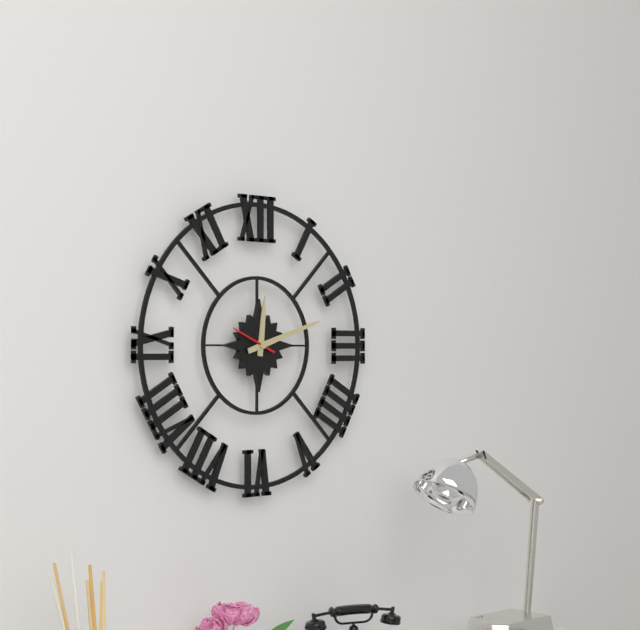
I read 12.12
